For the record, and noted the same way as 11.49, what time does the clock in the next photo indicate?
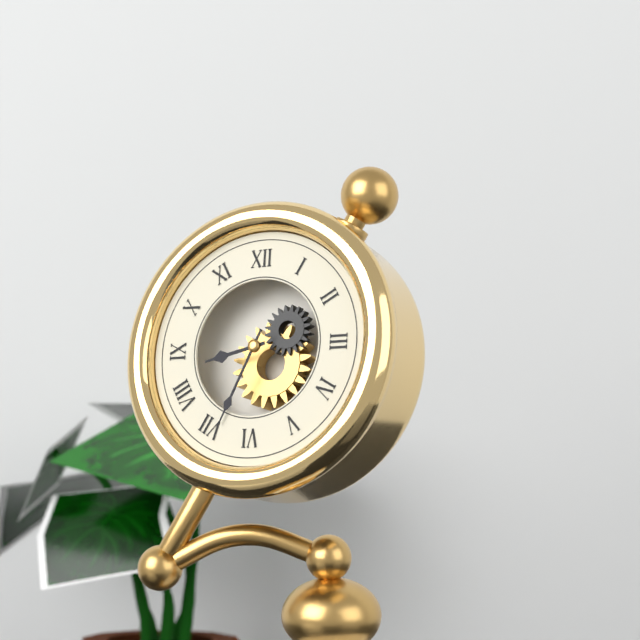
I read 8.34
